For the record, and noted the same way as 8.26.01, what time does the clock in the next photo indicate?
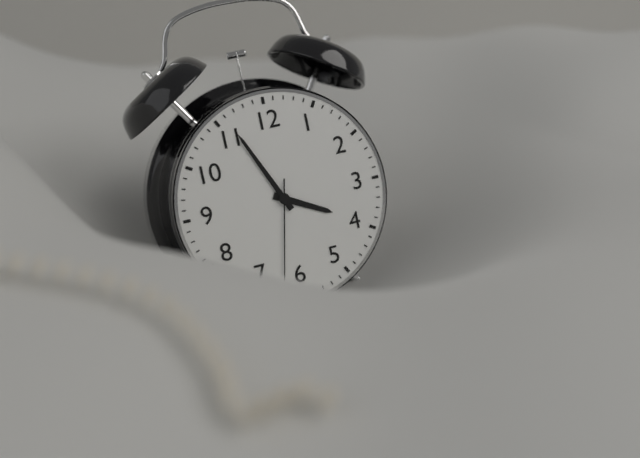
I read 3.56.32
